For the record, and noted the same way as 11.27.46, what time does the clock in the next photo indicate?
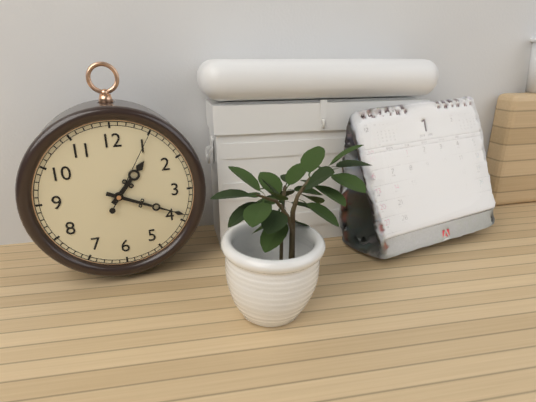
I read 1.19.05
